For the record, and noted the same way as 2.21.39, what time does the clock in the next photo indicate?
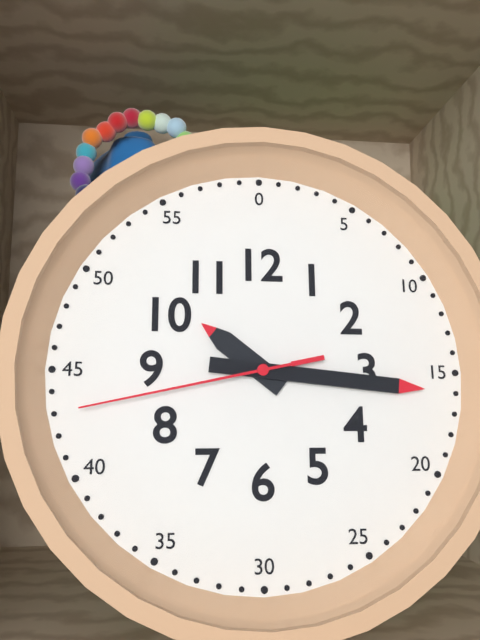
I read 10.16.43
